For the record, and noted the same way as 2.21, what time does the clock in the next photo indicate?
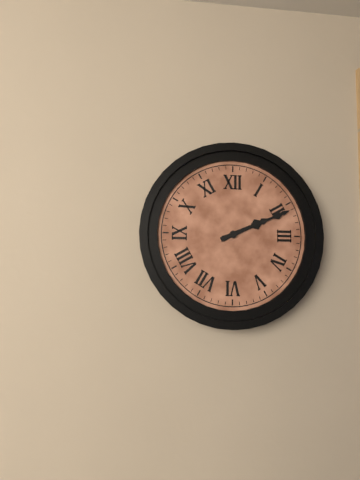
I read 2.11
